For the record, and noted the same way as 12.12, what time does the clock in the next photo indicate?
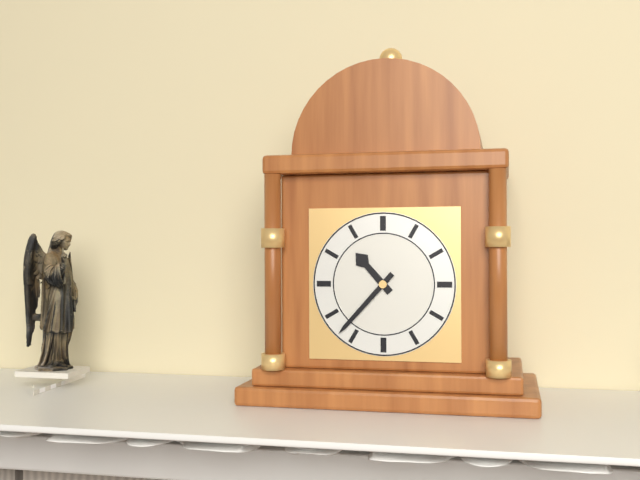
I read 10.37
